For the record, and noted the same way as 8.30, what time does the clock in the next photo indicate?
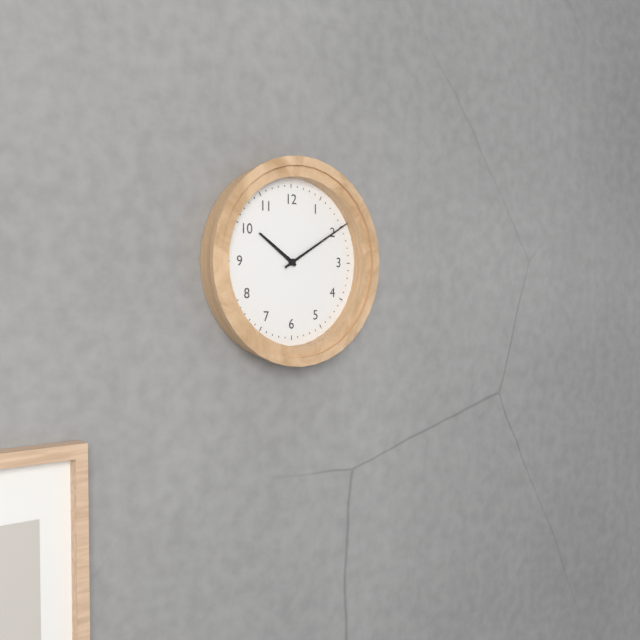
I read 10.10
